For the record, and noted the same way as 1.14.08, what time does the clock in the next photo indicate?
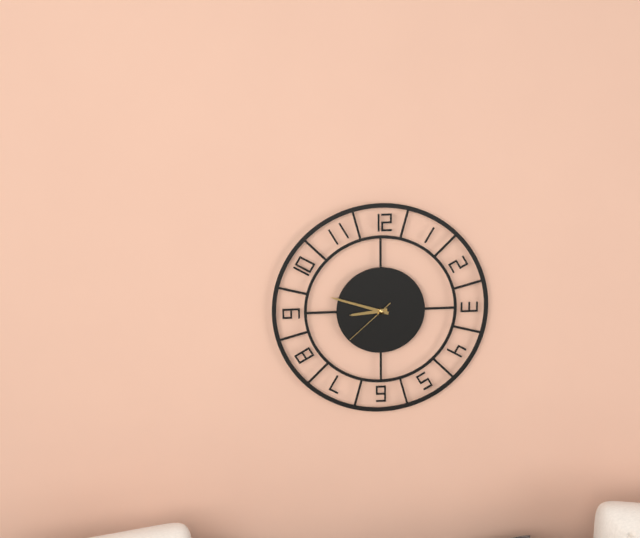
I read 8.48.38
